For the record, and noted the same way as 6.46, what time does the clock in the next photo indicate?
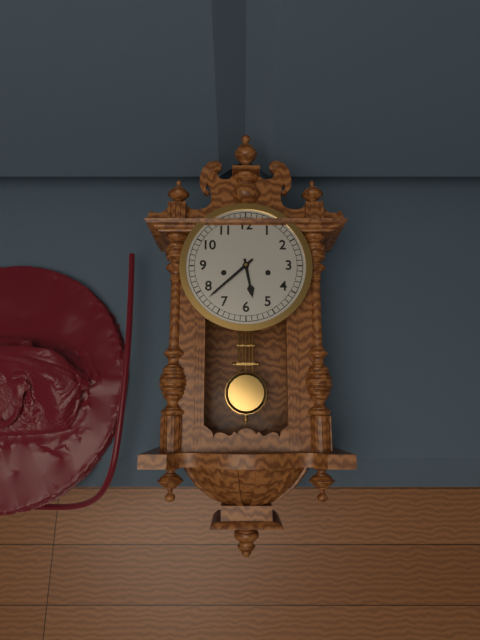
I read 5.38
